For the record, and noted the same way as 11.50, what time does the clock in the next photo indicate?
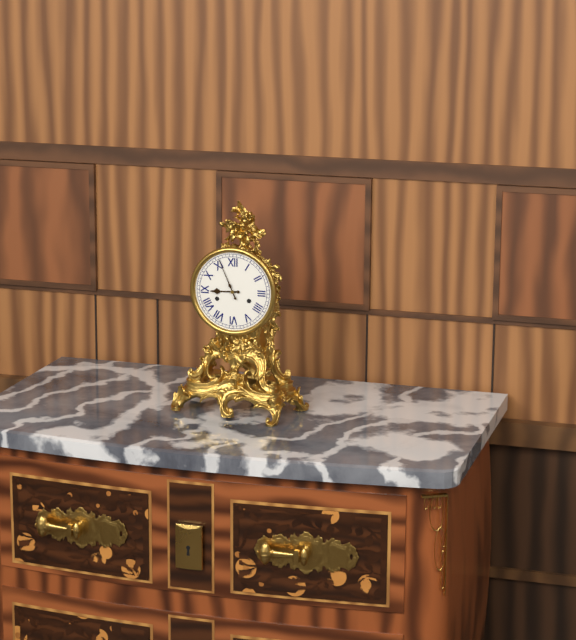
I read 8.56
